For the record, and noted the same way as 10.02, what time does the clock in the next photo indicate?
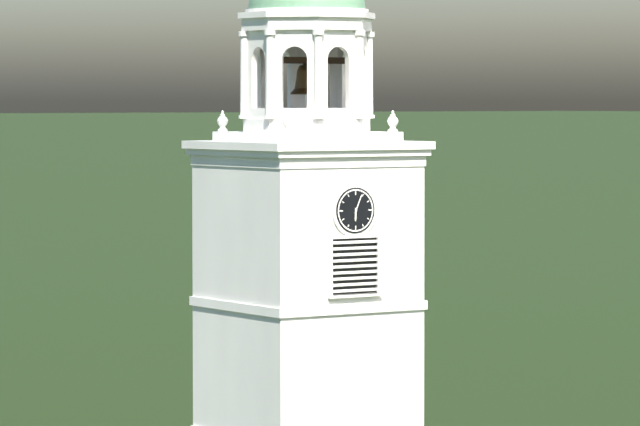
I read 6.04
